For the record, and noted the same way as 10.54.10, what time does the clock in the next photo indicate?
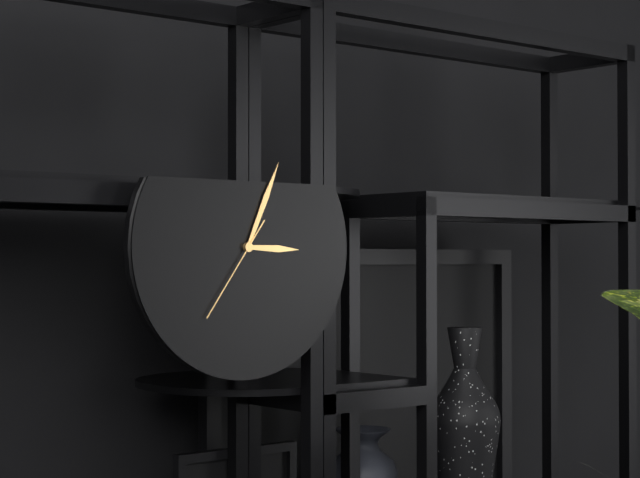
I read 3.04.36
